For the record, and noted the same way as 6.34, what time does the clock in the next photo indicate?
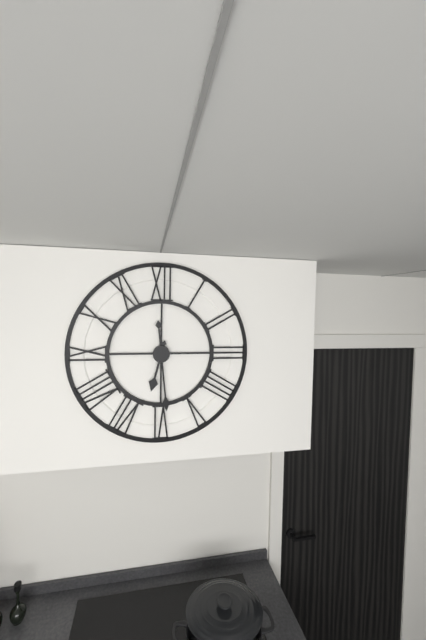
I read 6.29
